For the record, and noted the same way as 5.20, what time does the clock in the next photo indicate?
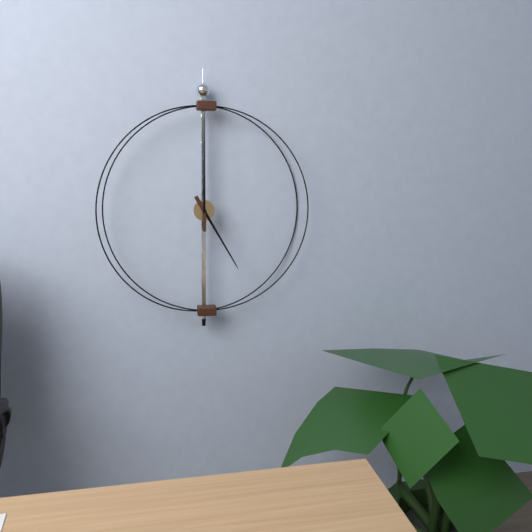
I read 5.00
